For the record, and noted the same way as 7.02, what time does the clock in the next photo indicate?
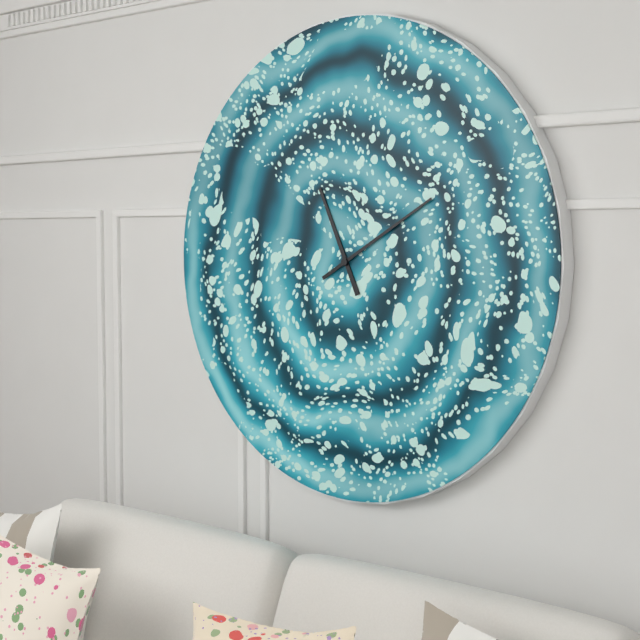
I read 11.10
